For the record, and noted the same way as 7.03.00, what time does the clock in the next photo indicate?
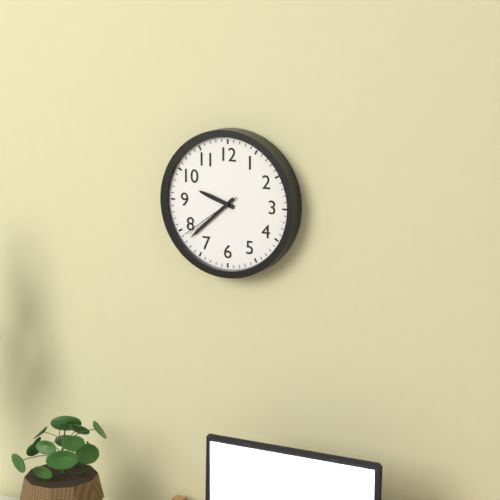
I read 9.38.39
